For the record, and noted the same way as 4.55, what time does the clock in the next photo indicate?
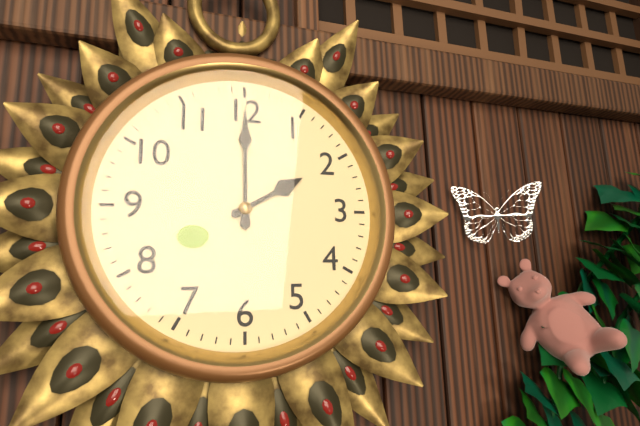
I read 2.00
